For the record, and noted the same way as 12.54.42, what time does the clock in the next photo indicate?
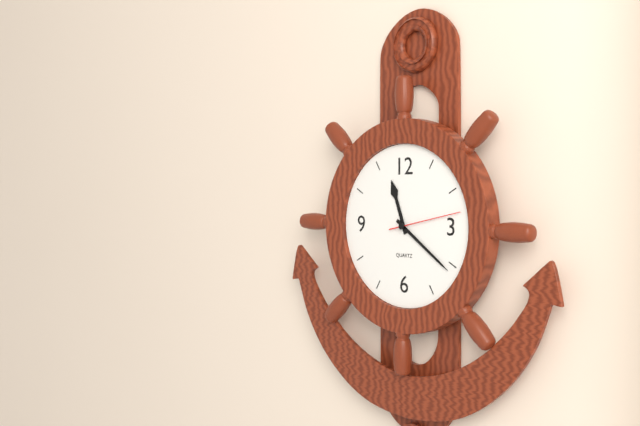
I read 11.21.13
